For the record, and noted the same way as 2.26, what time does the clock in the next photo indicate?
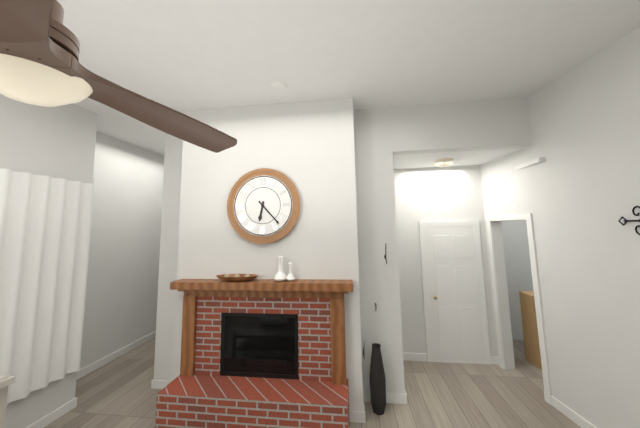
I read 6.23
